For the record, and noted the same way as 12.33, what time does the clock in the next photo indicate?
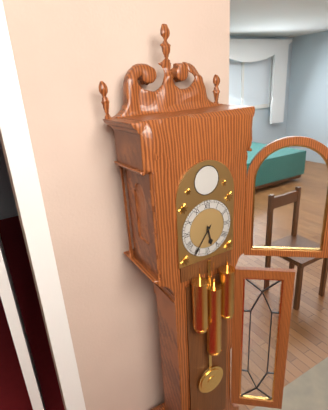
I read 5.36
